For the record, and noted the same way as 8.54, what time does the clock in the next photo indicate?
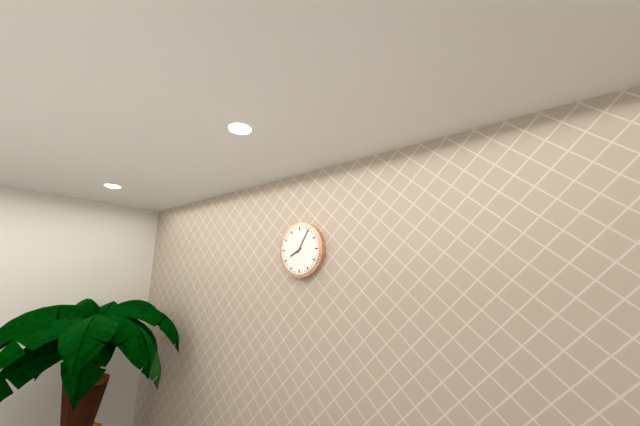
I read 8.05
